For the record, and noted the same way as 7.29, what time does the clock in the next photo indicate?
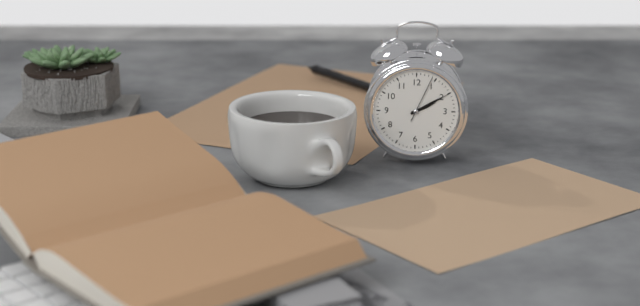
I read 2.10
